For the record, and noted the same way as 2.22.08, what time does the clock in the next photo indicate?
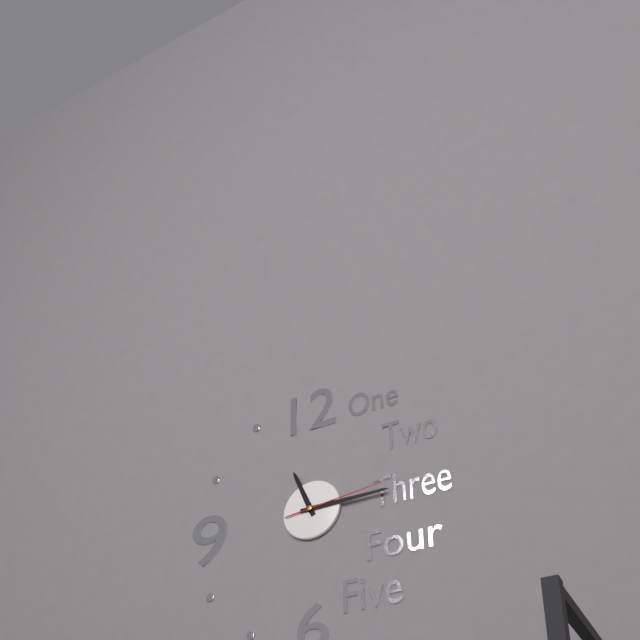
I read 11.15.14
